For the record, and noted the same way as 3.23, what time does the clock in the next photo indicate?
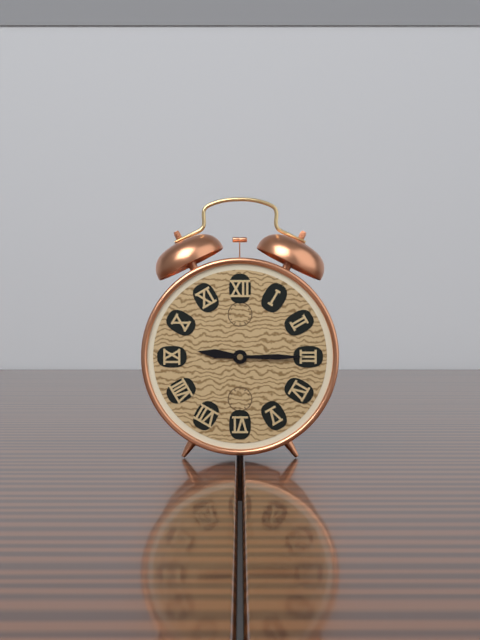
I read 9.15
